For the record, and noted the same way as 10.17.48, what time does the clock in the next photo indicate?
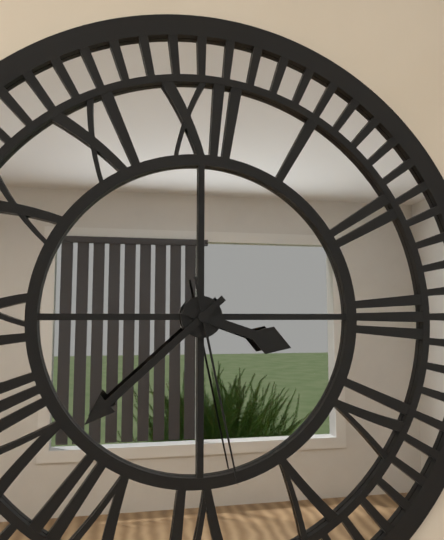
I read 3.38.28
